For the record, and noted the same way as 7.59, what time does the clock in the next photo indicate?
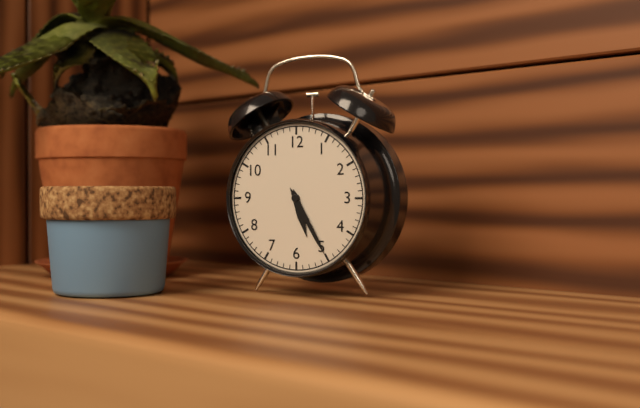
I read 5.25
